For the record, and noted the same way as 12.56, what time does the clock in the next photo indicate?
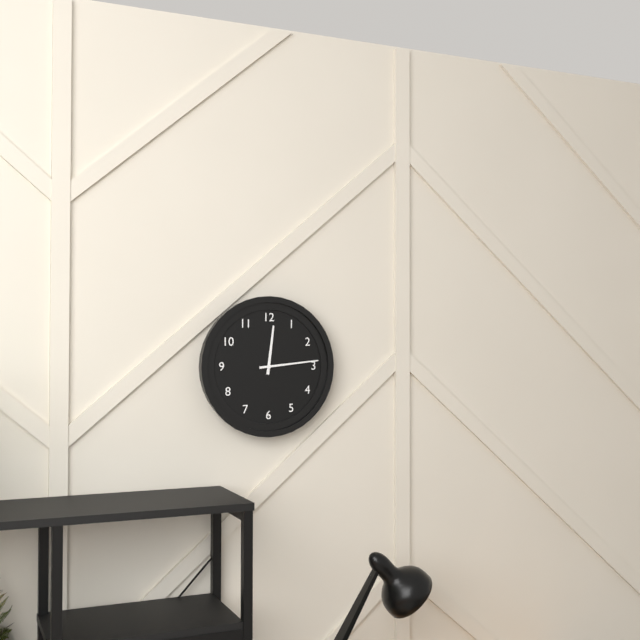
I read 12.14
